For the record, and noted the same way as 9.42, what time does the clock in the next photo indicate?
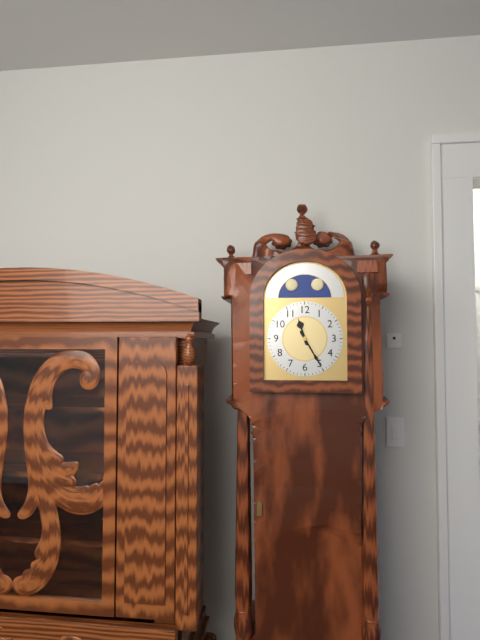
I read 11.25
